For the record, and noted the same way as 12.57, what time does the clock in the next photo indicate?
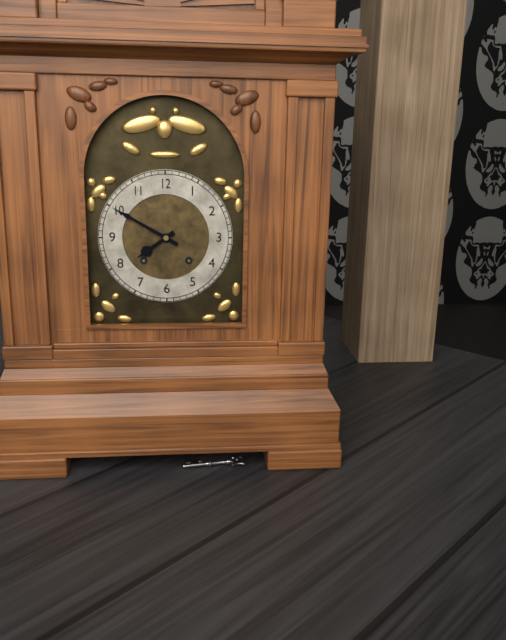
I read 7.50
